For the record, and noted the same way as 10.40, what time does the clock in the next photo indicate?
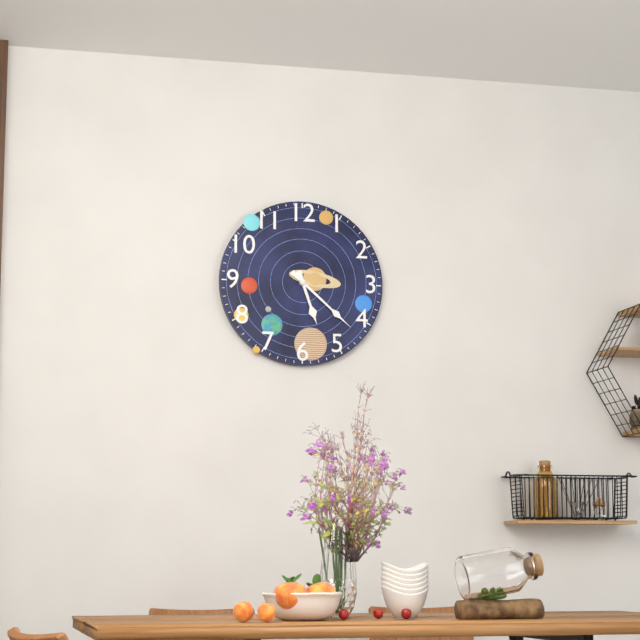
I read 5.22
